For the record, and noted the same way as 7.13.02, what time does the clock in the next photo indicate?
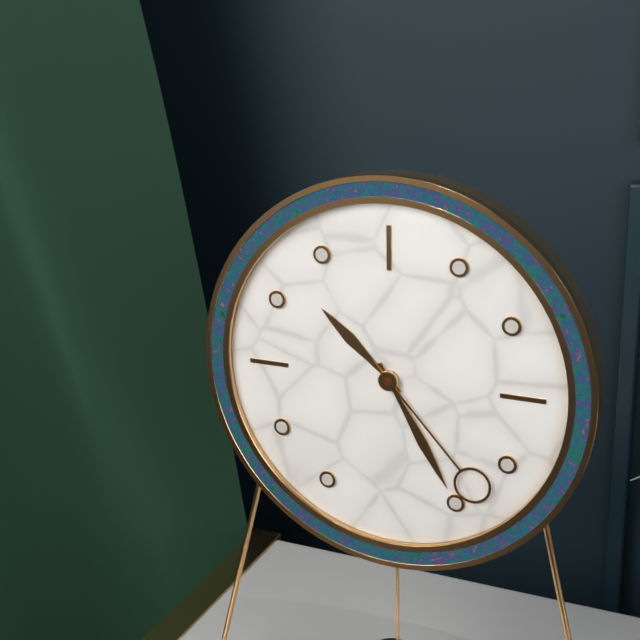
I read 10.25.23
